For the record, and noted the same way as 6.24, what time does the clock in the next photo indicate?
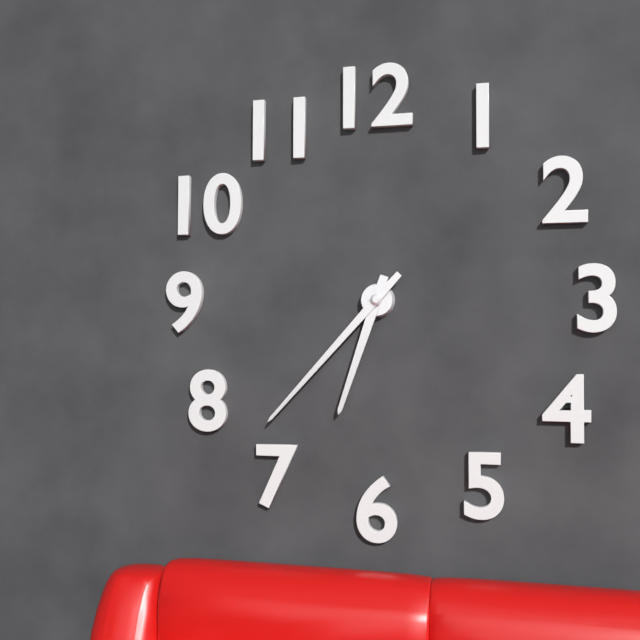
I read 6.37
